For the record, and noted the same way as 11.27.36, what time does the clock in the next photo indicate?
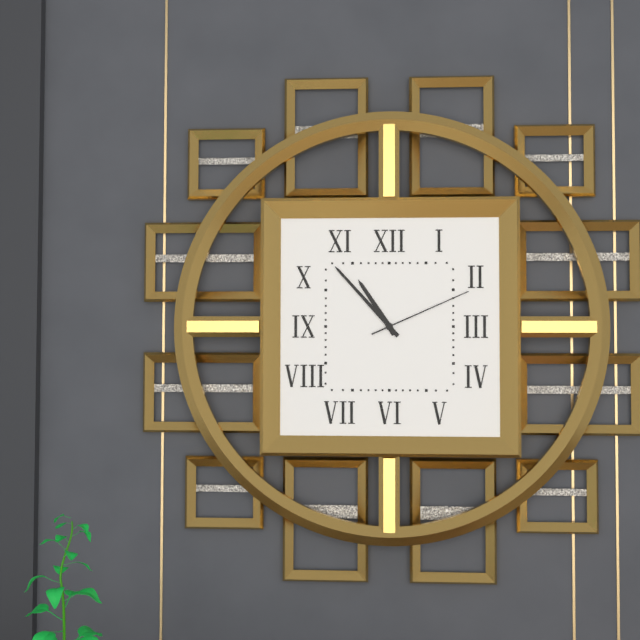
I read 10.53.11
